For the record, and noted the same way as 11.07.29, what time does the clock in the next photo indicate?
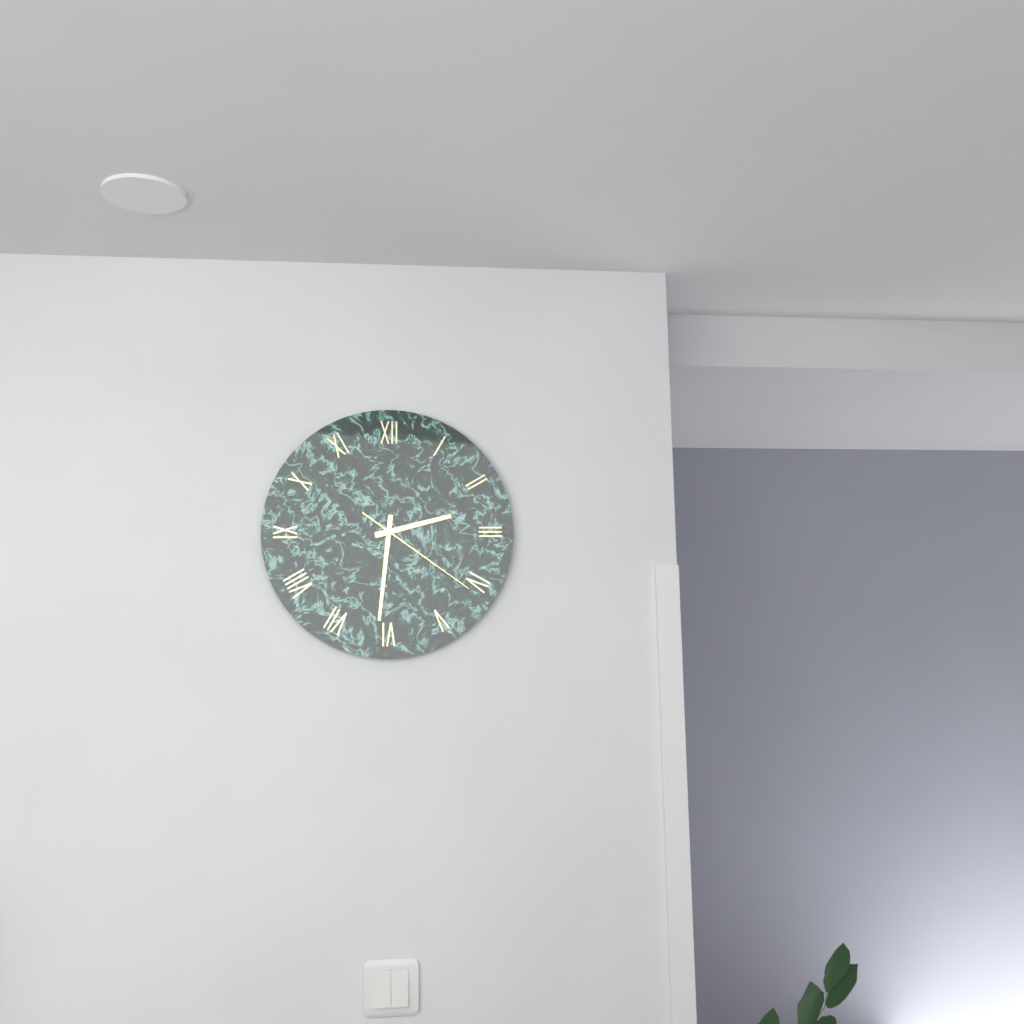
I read 2.31.21
